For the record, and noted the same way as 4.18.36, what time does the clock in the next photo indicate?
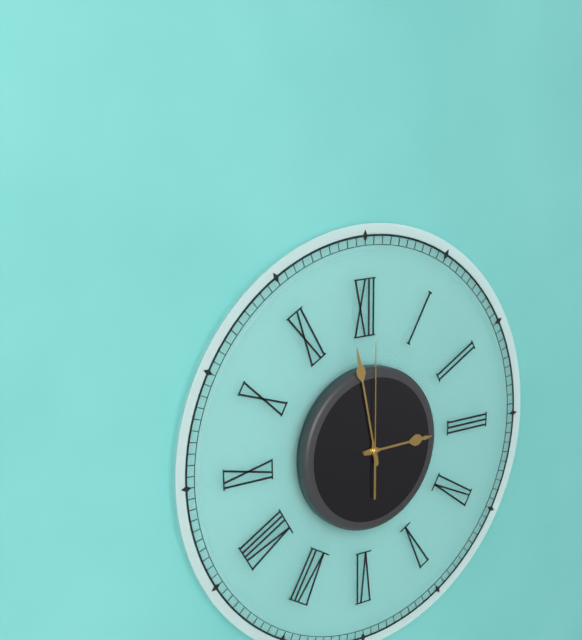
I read 2.58.00
